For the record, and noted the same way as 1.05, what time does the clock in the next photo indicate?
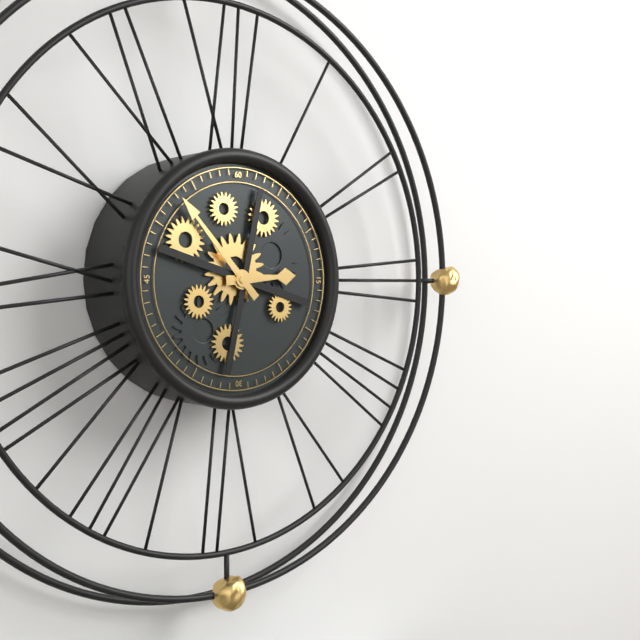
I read 2.53
